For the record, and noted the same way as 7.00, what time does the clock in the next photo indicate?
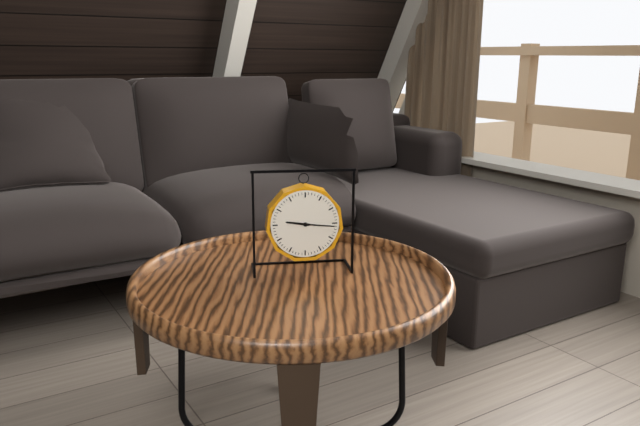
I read 9.16
